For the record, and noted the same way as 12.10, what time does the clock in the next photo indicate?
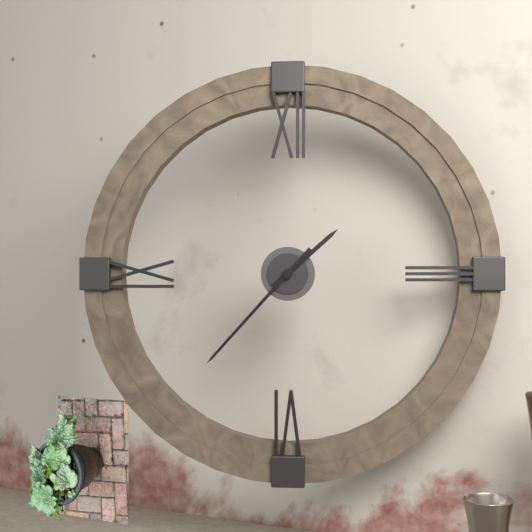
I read 1.37
